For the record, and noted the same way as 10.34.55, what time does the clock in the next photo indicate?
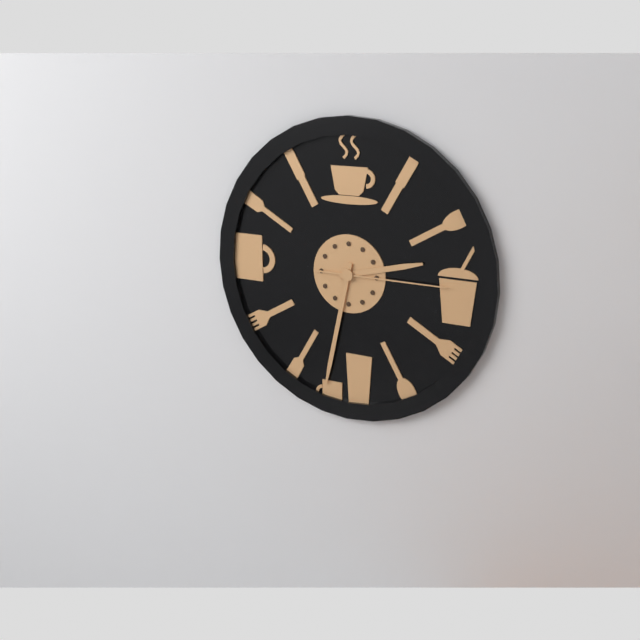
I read 2.32.15
